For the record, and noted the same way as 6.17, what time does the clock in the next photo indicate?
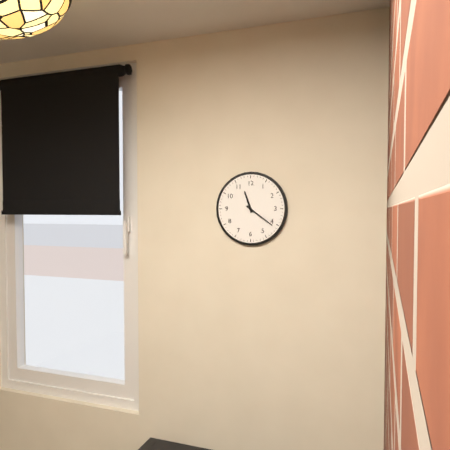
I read 11.21
